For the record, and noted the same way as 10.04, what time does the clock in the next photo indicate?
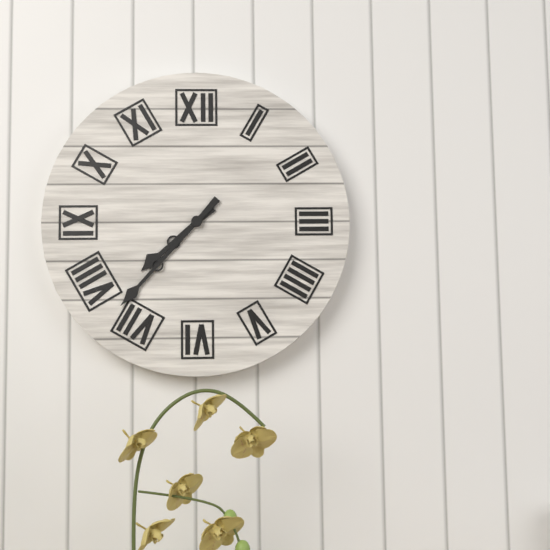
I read 7.37
